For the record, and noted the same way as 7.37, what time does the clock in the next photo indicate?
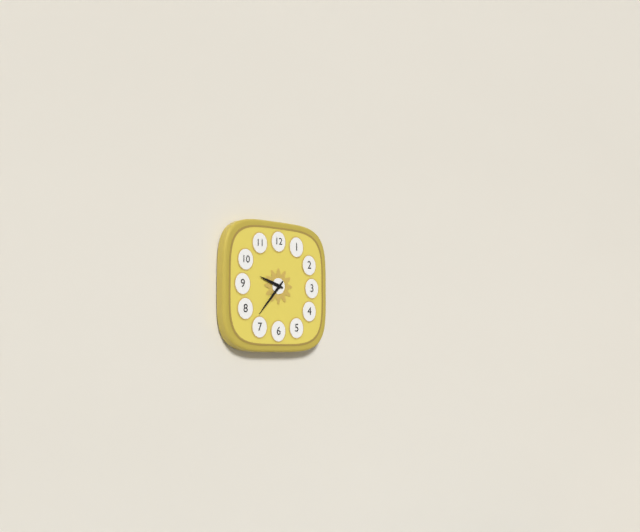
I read 9.37
